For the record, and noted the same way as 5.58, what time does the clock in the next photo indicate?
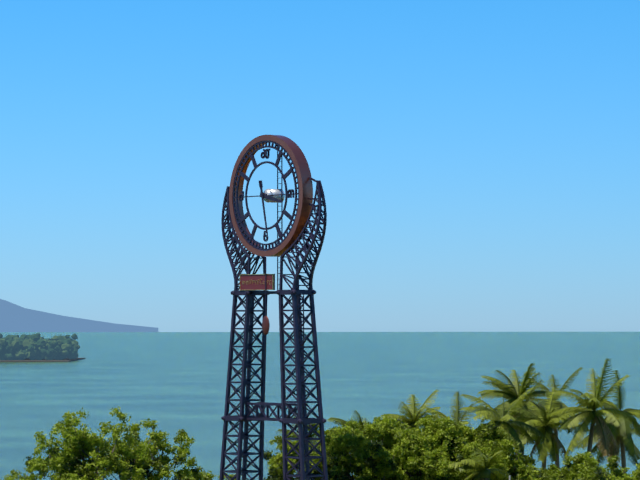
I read 3.28
